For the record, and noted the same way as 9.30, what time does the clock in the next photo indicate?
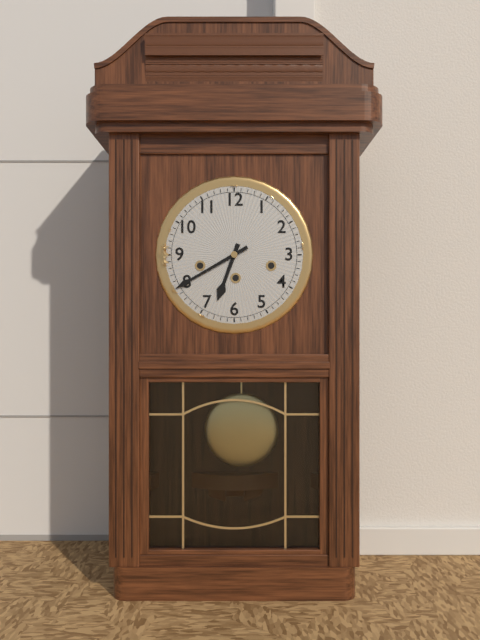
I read 6.40
